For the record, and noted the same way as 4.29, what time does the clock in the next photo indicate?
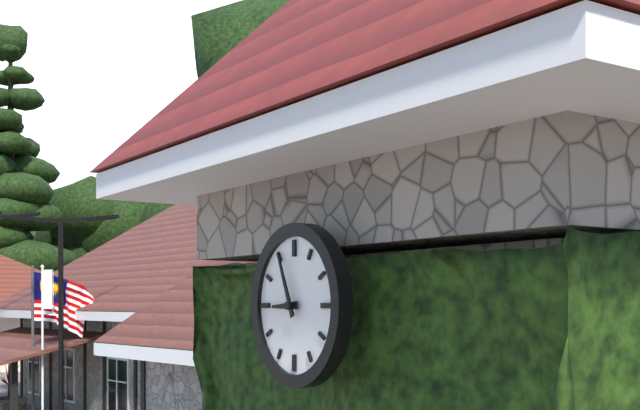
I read 8.56
